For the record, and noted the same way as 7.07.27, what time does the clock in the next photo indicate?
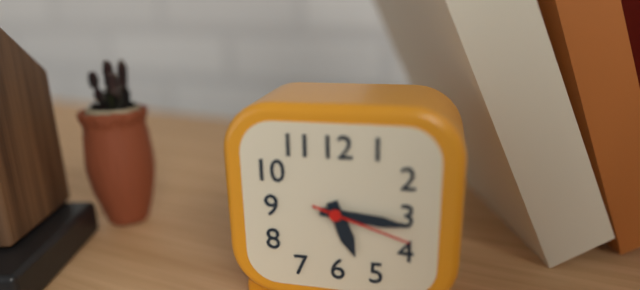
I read 5.16.18
